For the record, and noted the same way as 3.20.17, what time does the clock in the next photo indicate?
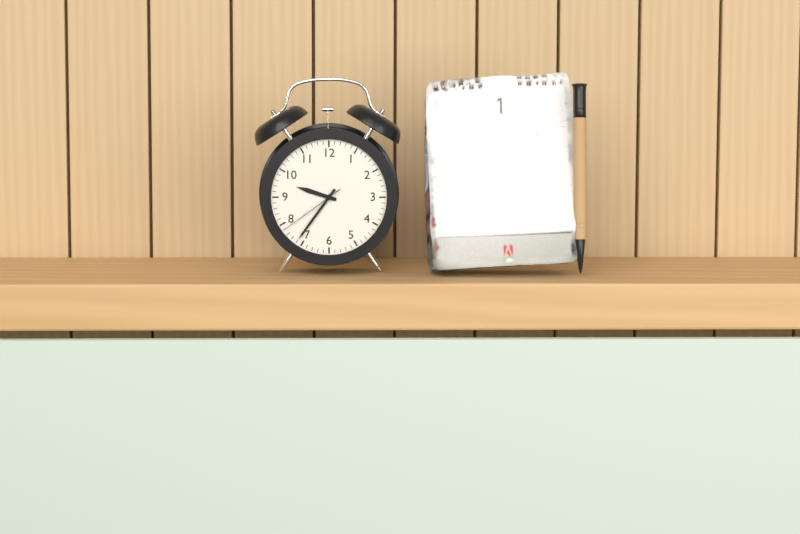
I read 9.36.39
